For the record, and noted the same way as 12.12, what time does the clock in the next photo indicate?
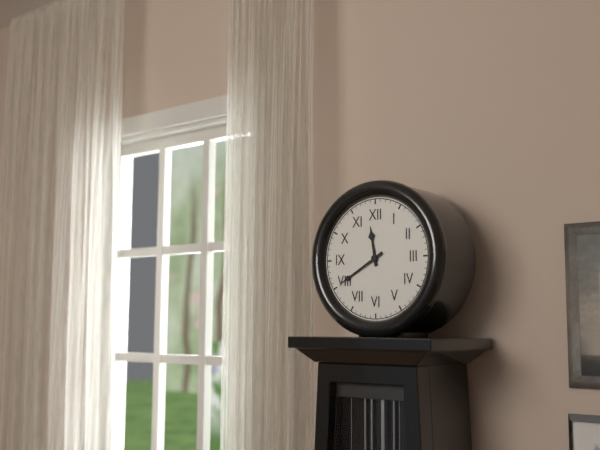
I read 11.40
